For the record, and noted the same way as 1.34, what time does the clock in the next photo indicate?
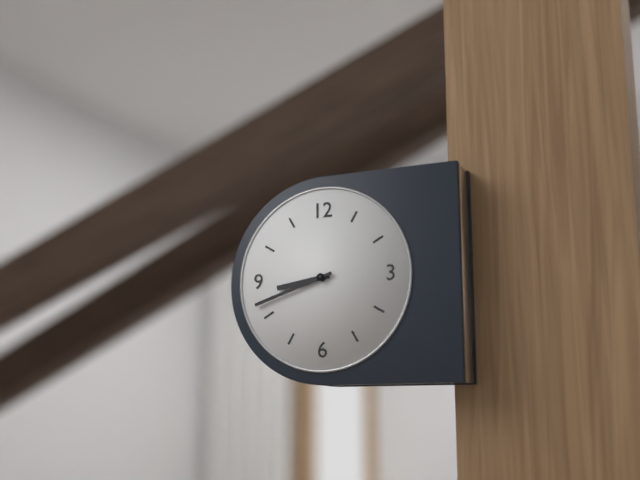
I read 8.42
